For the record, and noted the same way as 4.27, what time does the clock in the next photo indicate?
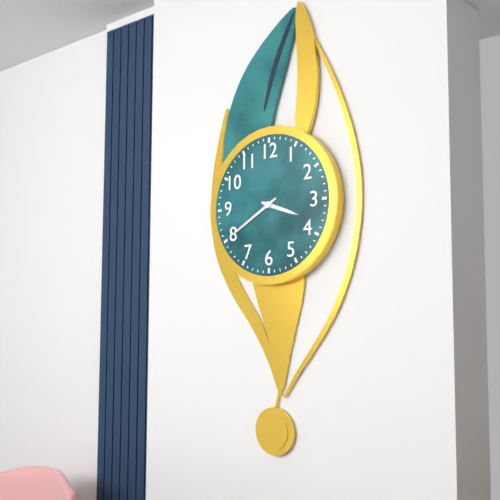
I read 3.40
